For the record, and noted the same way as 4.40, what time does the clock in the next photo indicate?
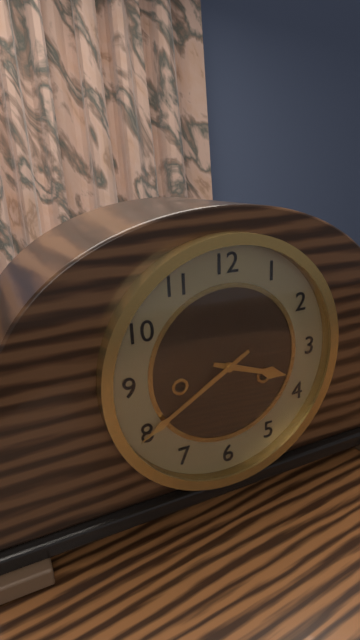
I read 3.40
